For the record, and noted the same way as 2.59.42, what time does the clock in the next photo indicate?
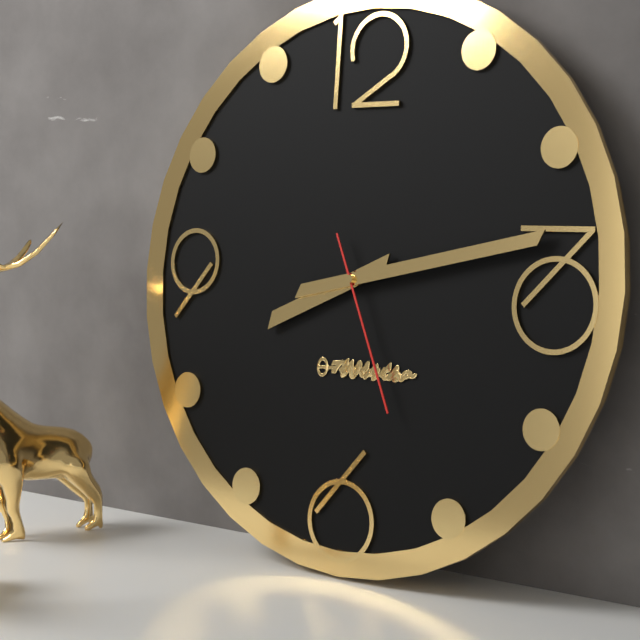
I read 8.13.26
